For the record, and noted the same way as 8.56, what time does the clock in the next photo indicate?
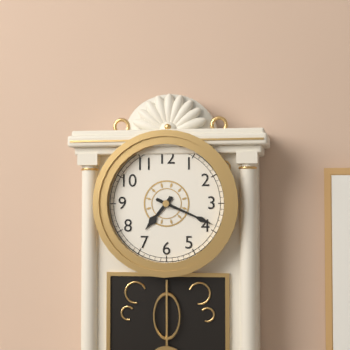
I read 7.19
